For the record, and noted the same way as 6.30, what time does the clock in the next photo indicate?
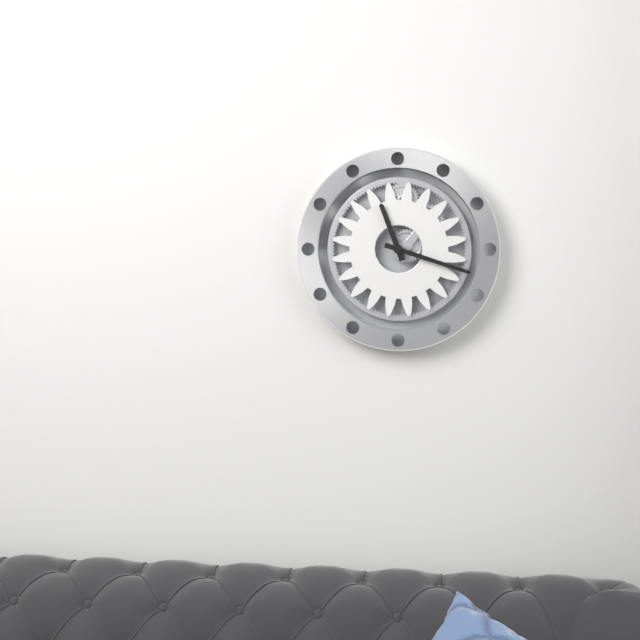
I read 11.18
